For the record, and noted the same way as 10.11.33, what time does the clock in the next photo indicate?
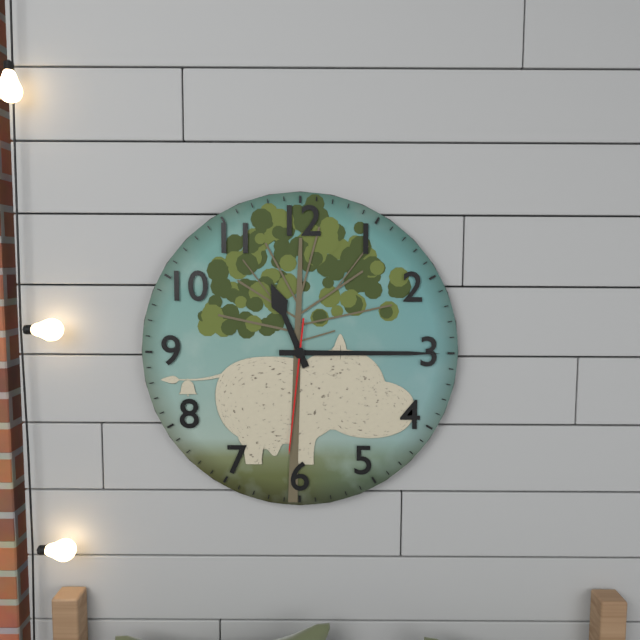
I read 11.15.31
